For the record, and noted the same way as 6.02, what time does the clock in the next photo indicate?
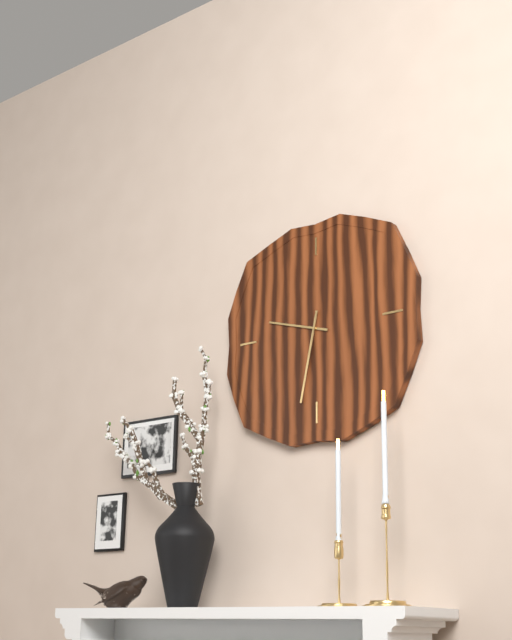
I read 9.32
